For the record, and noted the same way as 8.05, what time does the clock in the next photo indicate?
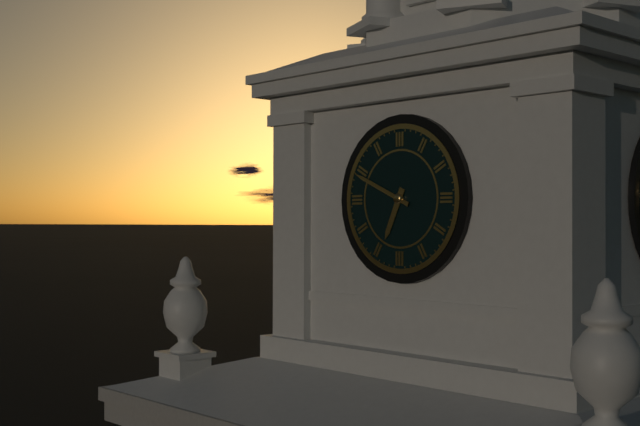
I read 6.49
